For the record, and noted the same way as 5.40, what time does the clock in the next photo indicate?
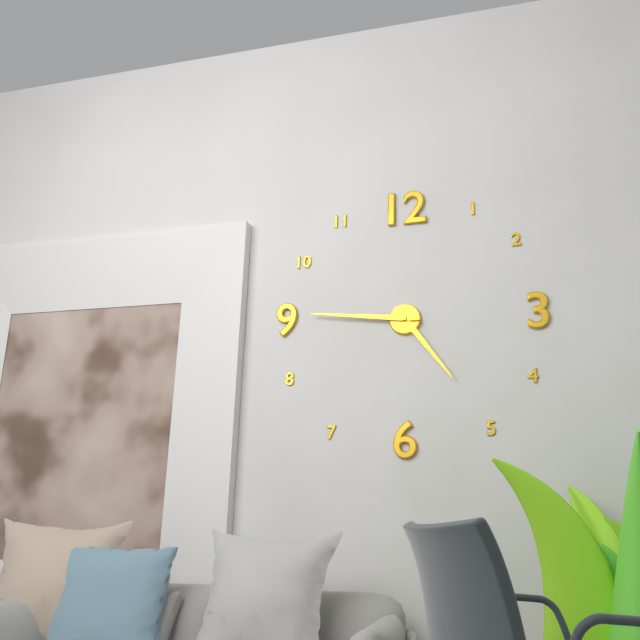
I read 4.46
